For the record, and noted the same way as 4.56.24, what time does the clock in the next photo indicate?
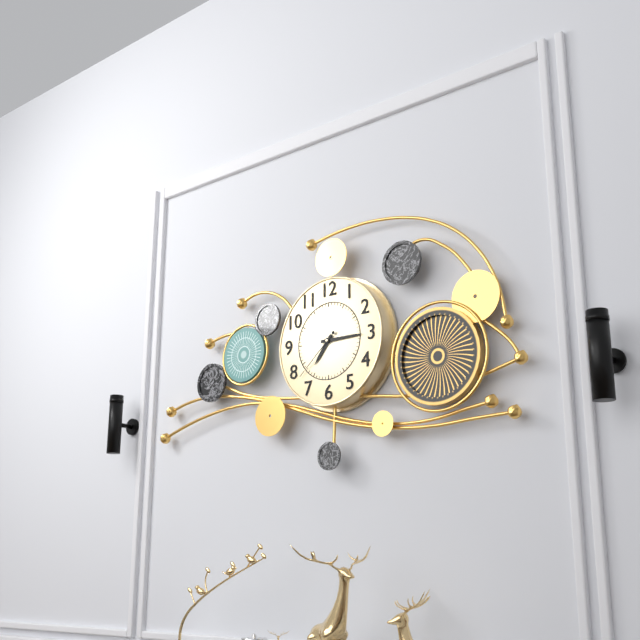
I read 7.15.38
